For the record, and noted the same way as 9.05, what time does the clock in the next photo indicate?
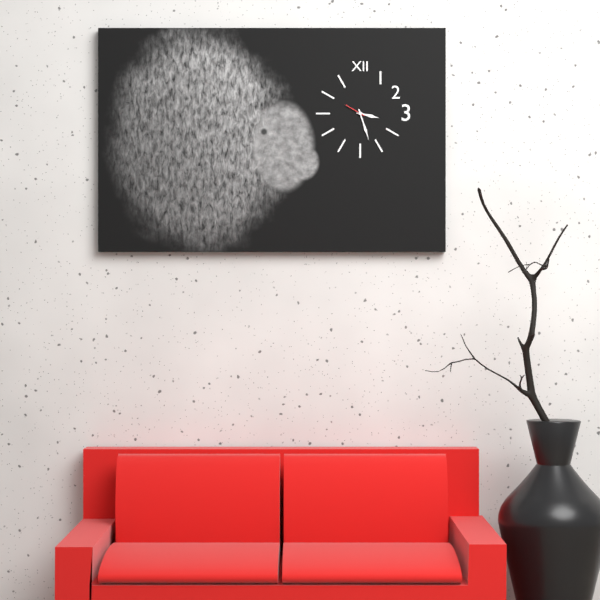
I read 3.27
